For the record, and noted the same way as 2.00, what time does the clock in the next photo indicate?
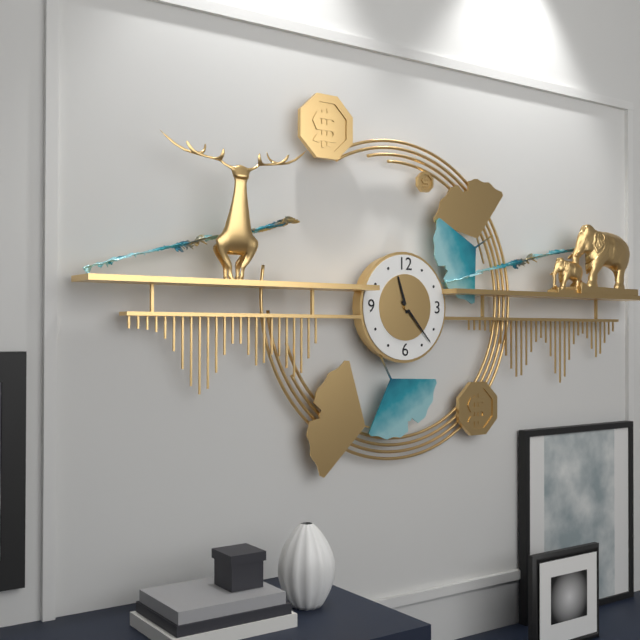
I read 11.23
